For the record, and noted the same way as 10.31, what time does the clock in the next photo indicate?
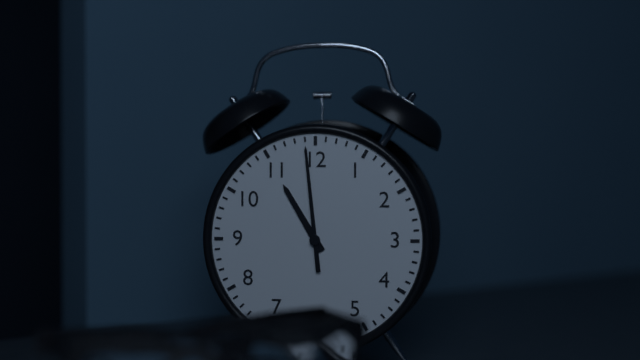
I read 10.59
